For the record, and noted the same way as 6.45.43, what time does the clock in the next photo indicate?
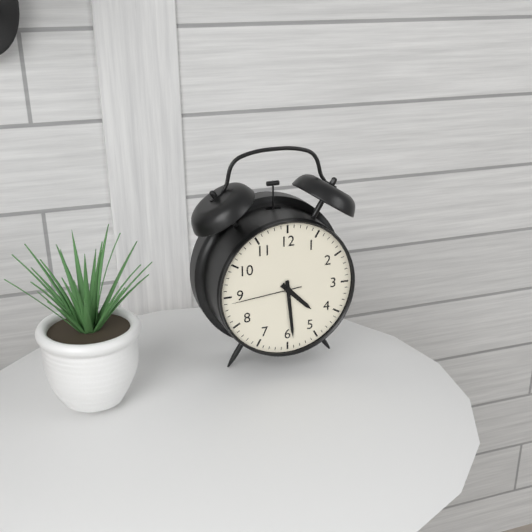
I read 4.29.44
